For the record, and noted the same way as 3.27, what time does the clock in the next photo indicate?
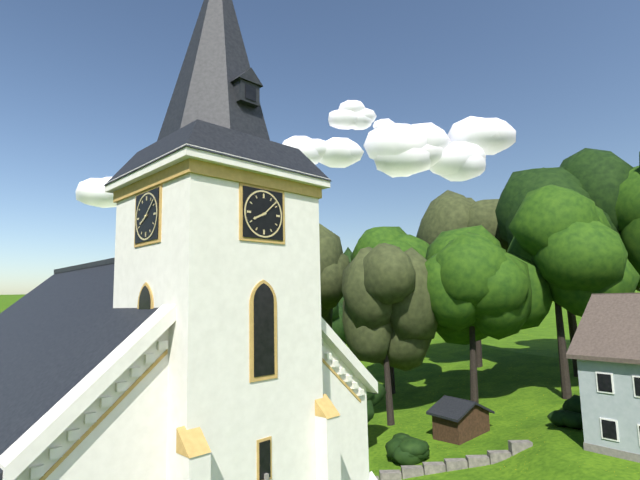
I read 8.08
